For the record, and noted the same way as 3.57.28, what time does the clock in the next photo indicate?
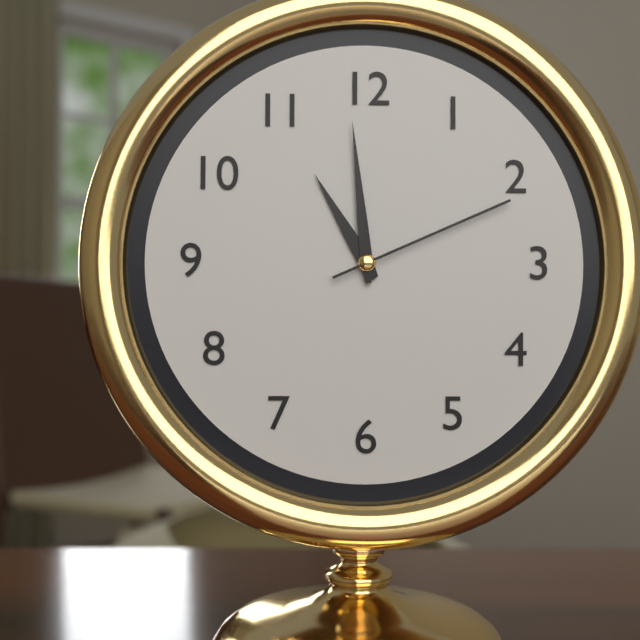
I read 10.59.11
